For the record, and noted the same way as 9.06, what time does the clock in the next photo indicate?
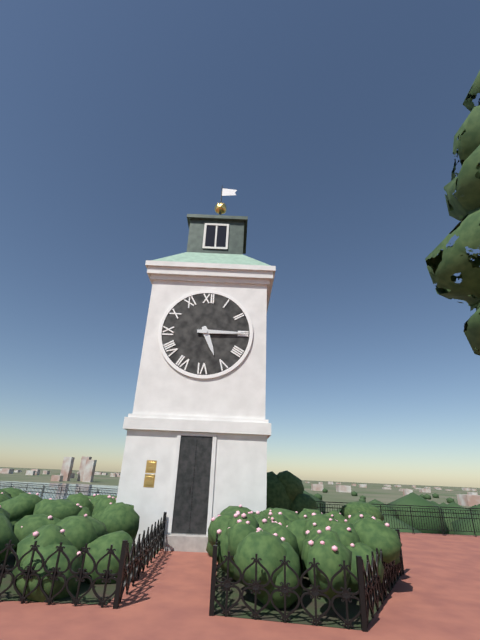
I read 5.15
